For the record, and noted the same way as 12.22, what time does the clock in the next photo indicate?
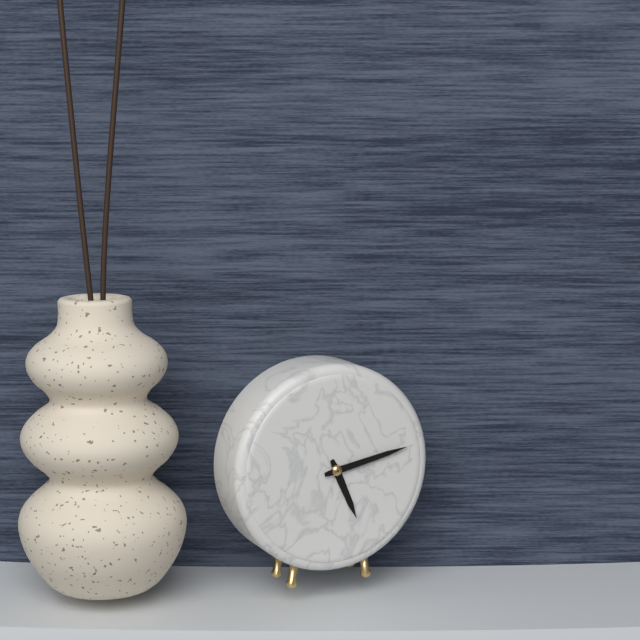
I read 5.13
